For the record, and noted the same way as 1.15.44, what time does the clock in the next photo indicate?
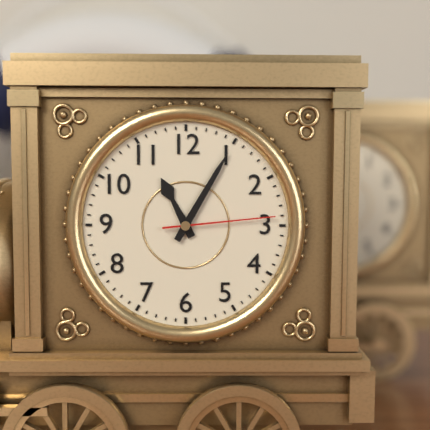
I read 11.05.14
